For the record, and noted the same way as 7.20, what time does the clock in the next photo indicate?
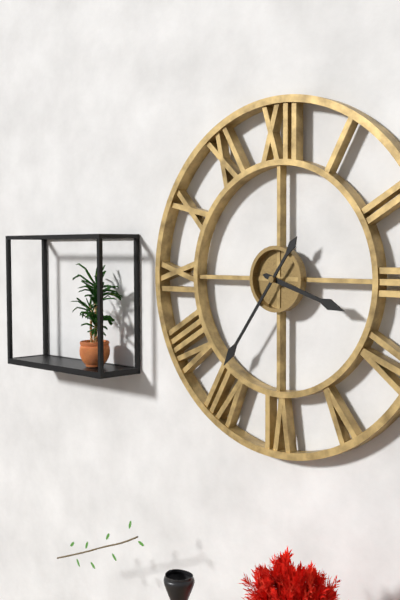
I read 3.36
